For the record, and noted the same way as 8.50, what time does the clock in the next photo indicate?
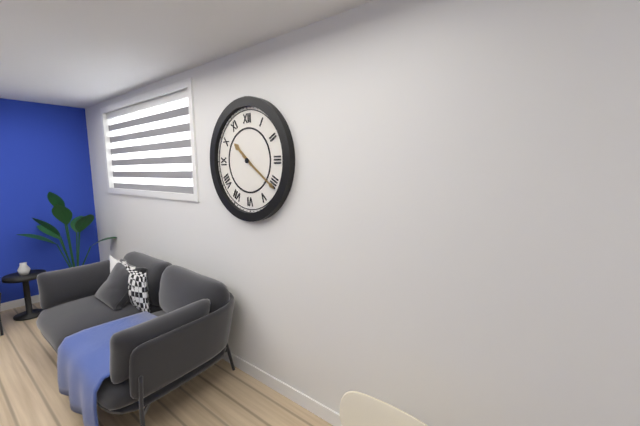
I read 10.21
